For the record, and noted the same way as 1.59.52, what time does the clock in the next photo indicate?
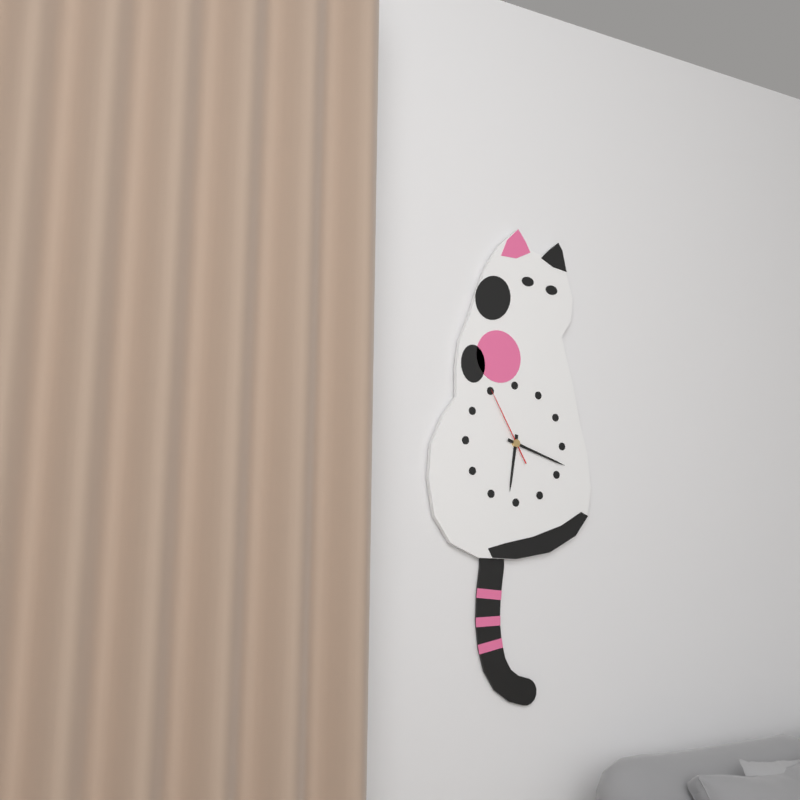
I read 6.18.55
